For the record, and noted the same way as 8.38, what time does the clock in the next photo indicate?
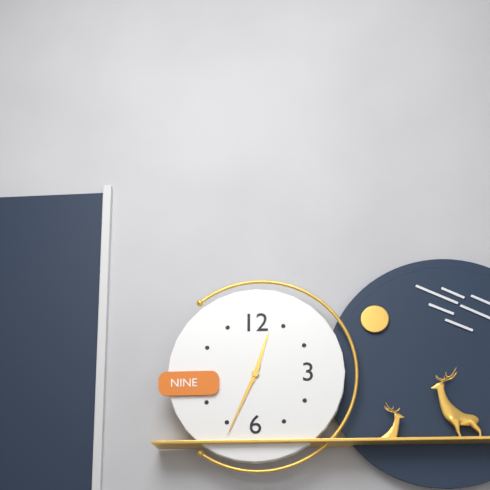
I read 12.34
